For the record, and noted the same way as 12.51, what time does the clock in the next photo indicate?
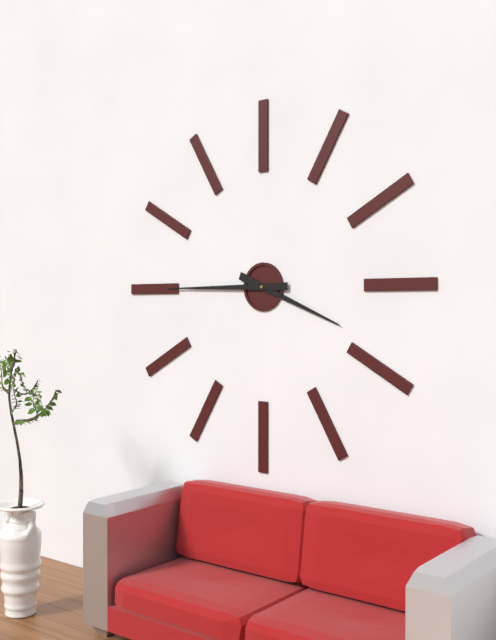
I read 3.45
